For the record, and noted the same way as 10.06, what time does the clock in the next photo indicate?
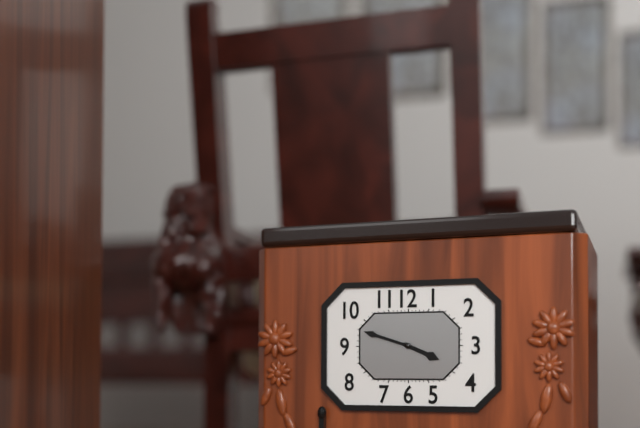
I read 3.48
